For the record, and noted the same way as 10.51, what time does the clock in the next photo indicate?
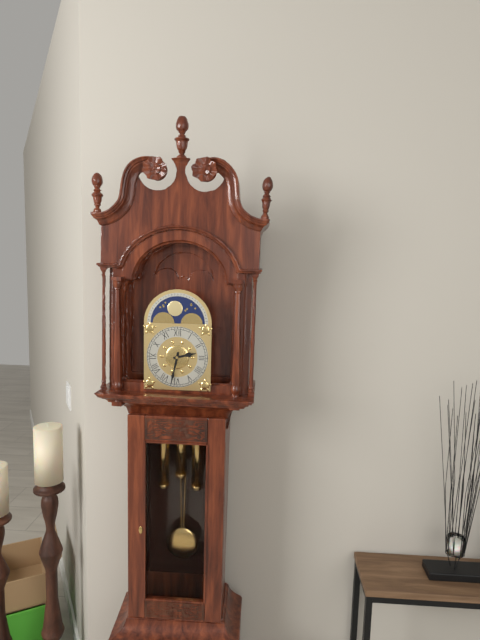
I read 2.32
